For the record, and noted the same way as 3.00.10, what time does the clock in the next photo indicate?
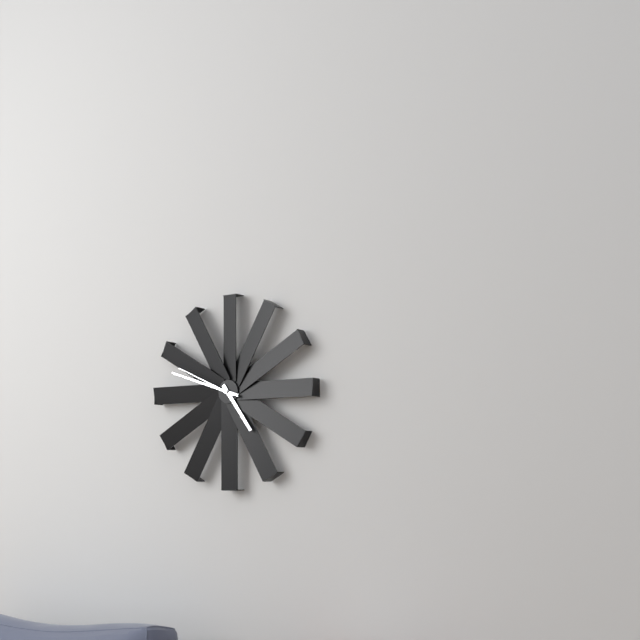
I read 4.48.49
